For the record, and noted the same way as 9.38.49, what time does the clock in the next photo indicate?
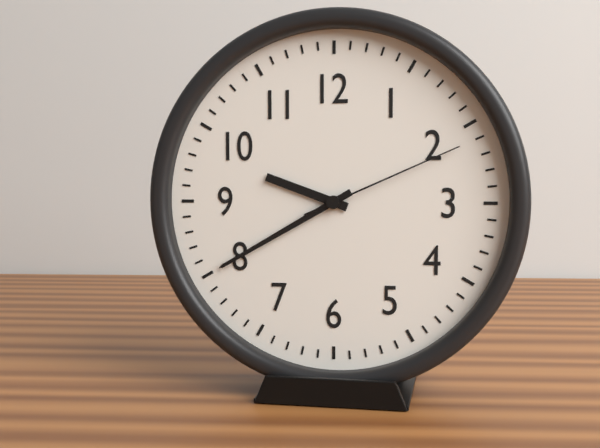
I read 9.40.11
